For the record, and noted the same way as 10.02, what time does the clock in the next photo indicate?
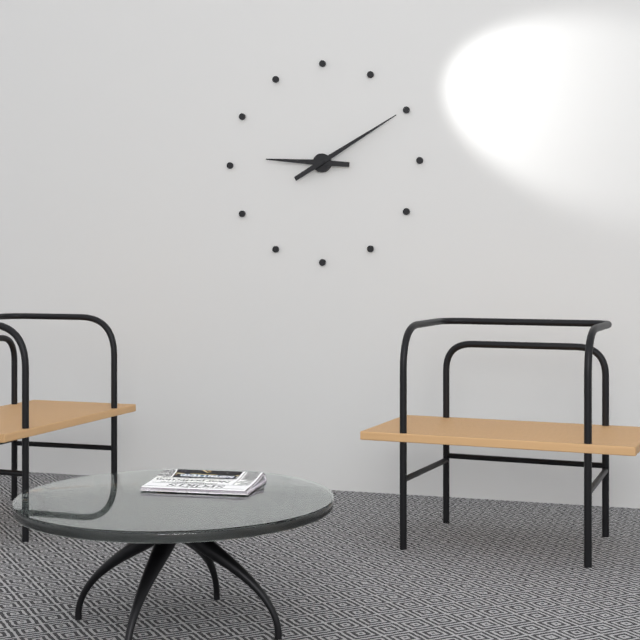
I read 9.10
